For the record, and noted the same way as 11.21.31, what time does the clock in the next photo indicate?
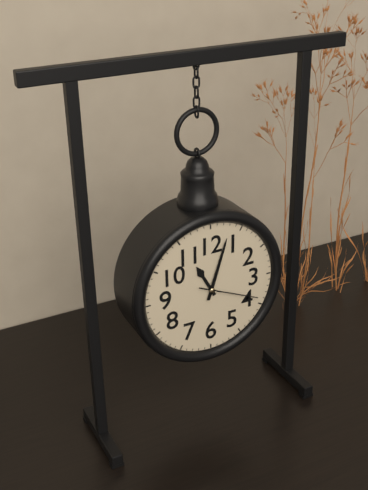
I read 11.03.19
